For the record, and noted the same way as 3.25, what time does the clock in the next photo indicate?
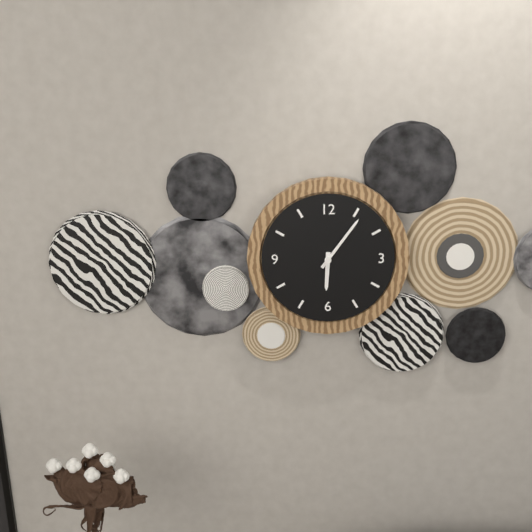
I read 6.06
